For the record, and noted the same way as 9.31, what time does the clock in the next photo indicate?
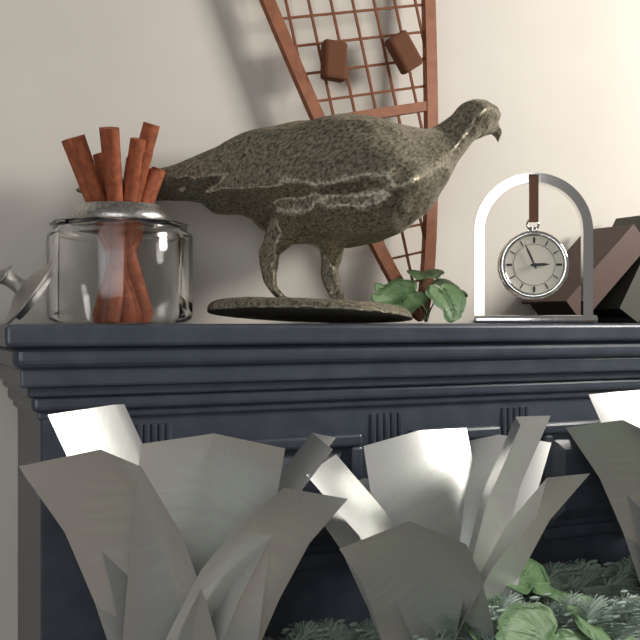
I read 2.56
